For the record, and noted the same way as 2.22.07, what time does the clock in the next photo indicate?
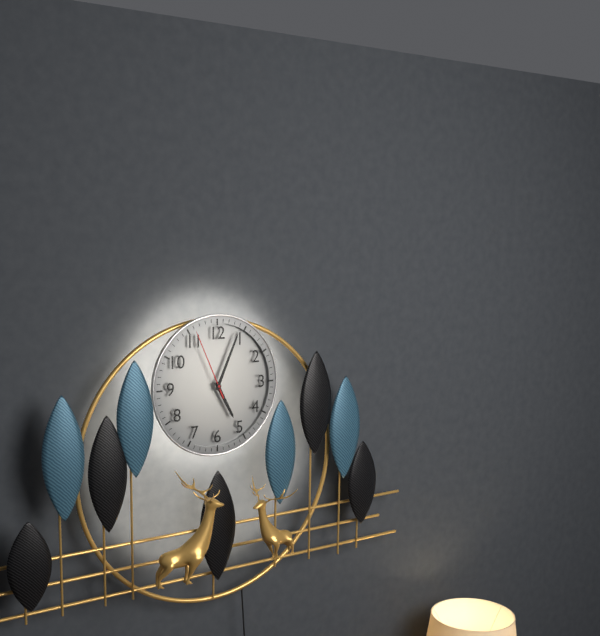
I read 5.04.56
